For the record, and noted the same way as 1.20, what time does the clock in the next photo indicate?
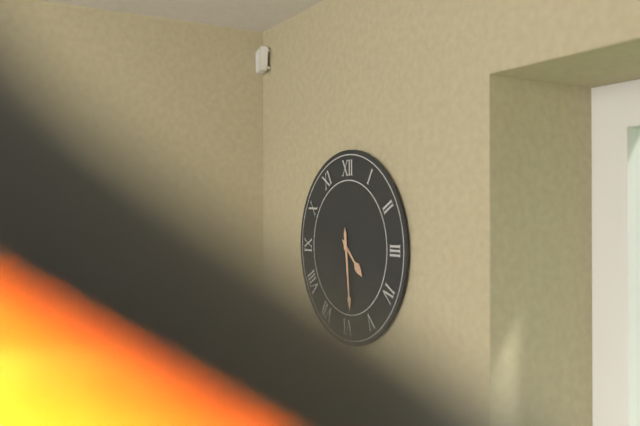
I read 4.29
